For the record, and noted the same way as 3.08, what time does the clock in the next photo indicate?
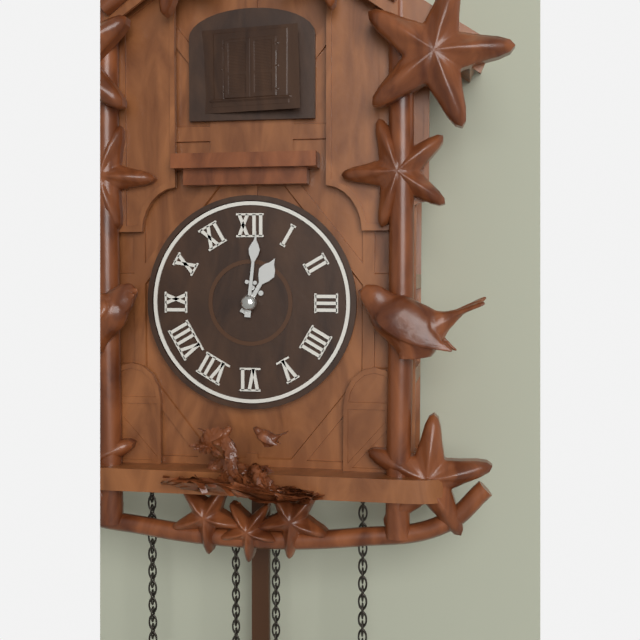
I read 1.01
